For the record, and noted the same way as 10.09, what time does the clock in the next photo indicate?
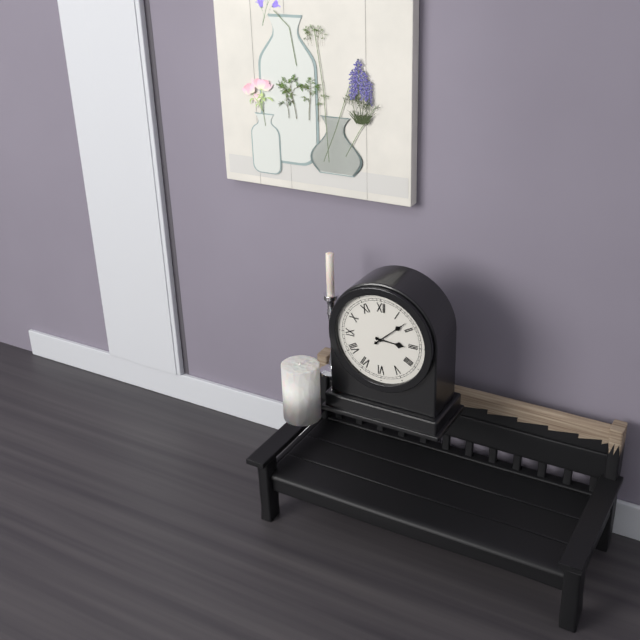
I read 3.08
